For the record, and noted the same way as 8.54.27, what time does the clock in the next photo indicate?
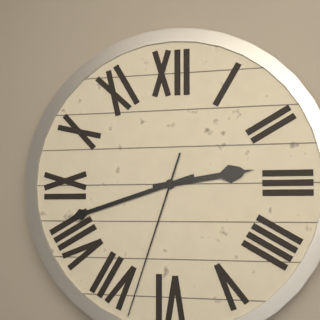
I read 2.42.33
